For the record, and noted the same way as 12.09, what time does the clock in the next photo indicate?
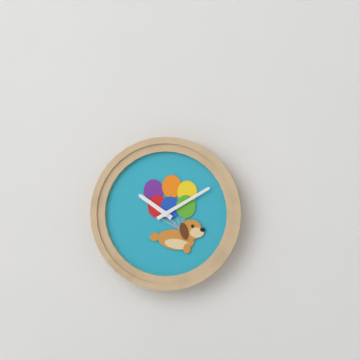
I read 10.10
